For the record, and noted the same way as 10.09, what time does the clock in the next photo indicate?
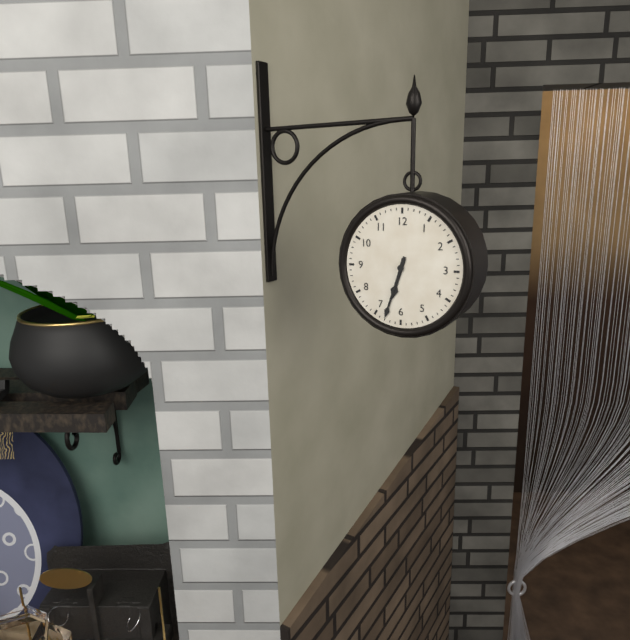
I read 6.33
